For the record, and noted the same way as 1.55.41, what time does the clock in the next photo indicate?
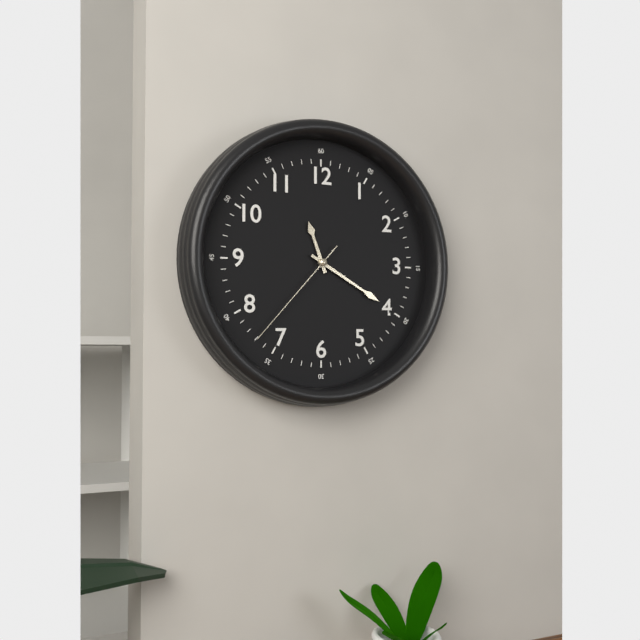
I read 11.20.37
